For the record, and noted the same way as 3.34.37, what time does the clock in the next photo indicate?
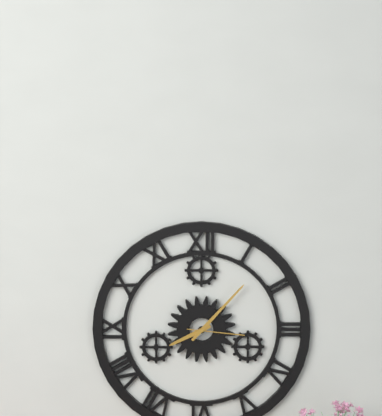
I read 8.07.16
